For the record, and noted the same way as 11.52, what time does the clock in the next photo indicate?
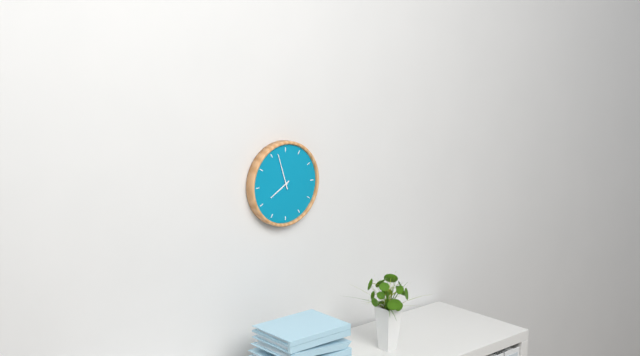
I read 7.57
